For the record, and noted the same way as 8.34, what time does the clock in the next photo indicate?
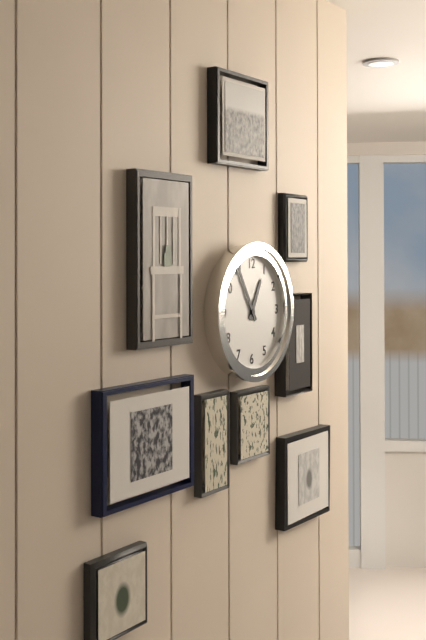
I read 12.55
